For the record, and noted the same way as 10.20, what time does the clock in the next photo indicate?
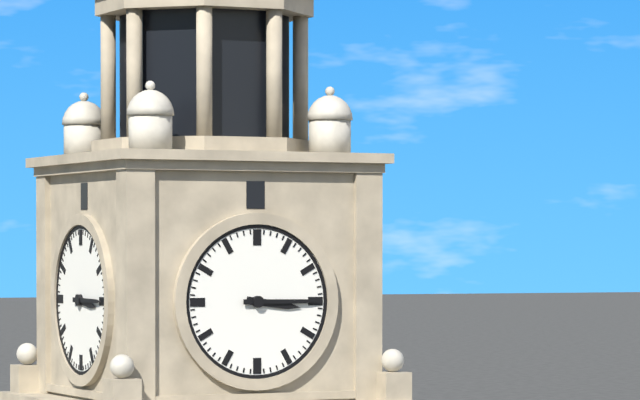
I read 3.15
